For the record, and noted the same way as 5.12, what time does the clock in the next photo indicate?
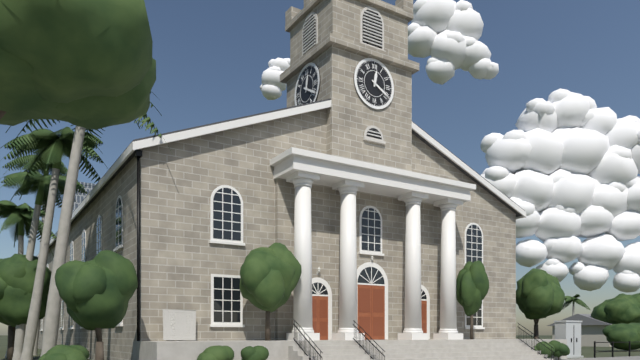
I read 12.20
